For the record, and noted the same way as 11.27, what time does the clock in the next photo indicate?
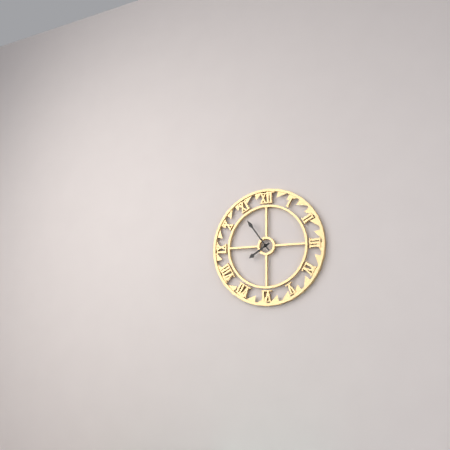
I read 7.54
